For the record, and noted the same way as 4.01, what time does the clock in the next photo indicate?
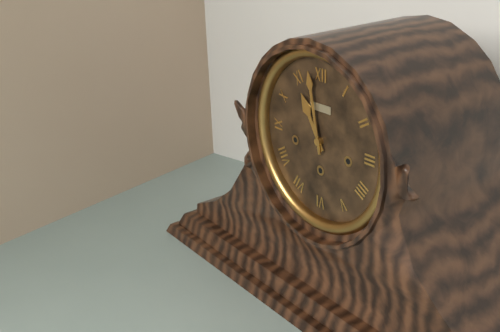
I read 10.58
